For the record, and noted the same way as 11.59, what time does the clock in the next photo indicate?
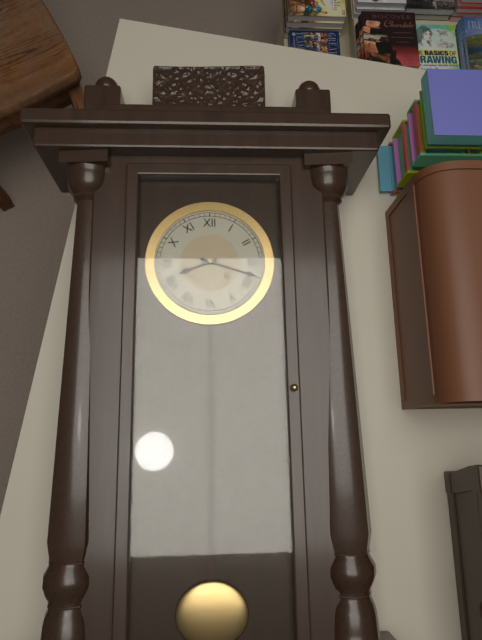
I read 8.18
